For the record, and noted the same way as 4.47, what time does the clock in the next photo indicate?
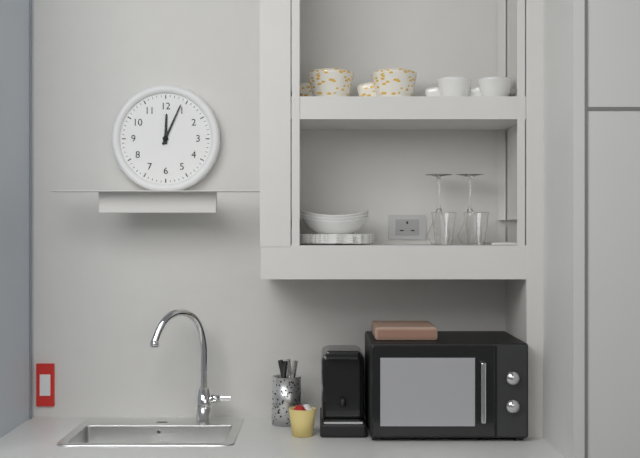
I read 12.04
